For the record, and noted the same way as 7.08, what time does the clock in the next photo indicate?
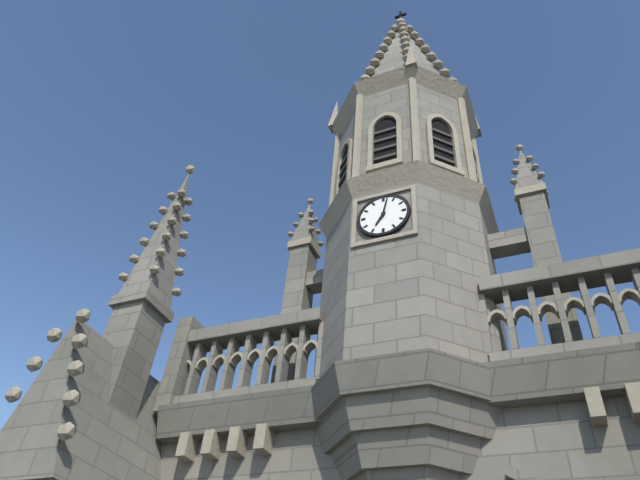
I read 7.02
